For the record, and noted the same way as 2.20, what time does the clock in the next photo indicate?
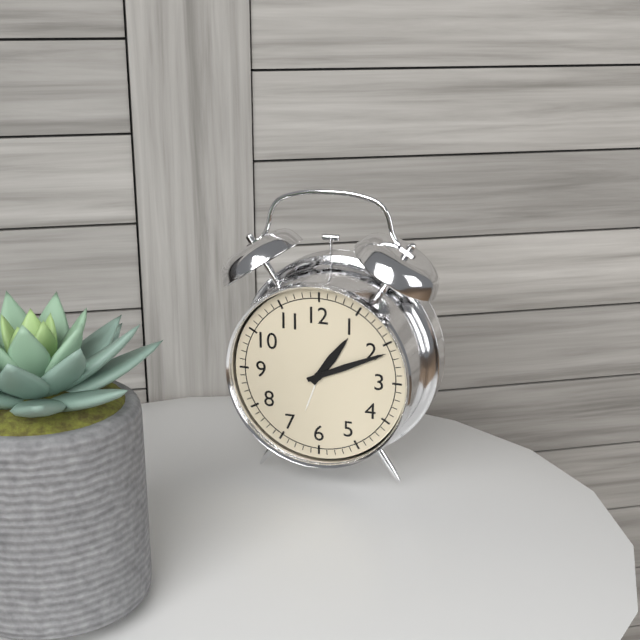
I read 1.11
